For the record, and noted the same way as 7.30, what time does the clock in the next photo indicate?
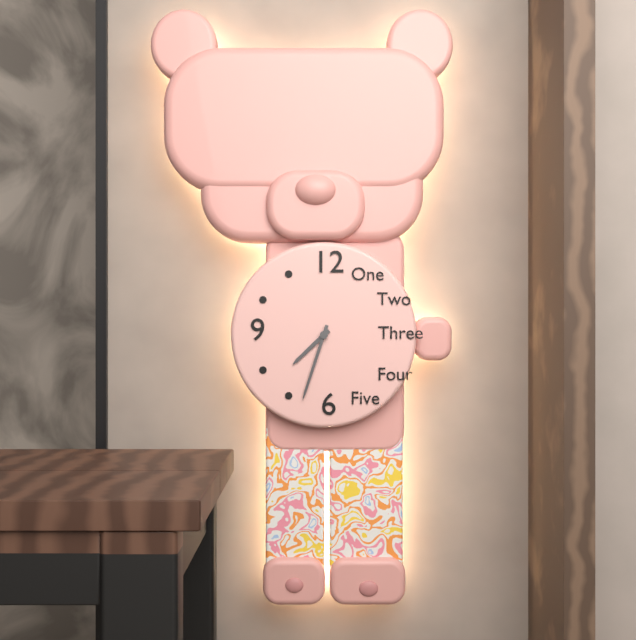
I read 7.33
